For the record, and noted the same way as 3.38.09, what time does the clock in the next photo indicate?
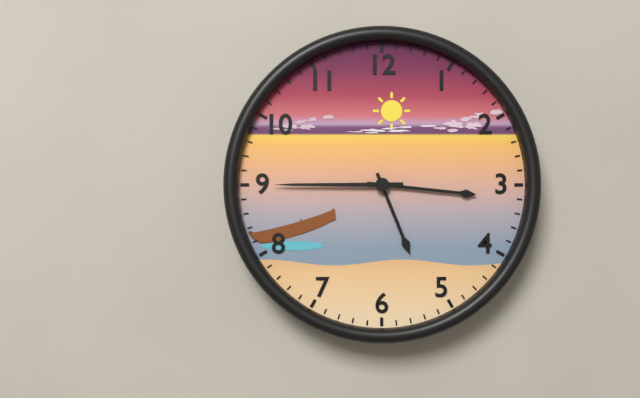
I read 5.16.45
